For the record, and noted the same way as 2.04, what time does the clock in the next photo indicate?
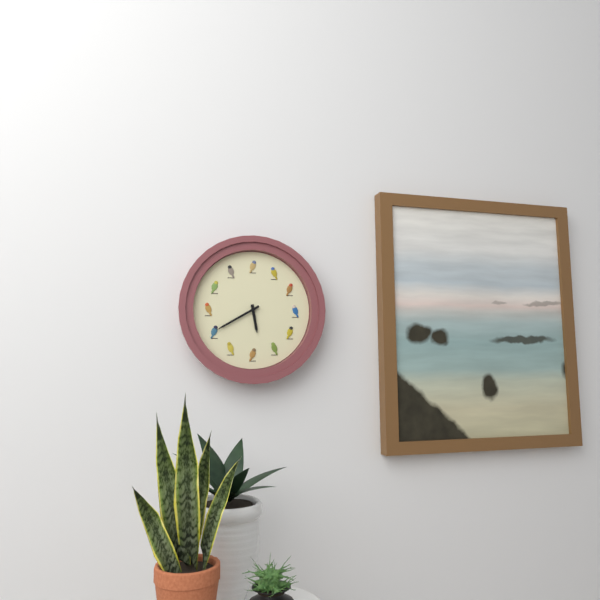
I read 5.40
